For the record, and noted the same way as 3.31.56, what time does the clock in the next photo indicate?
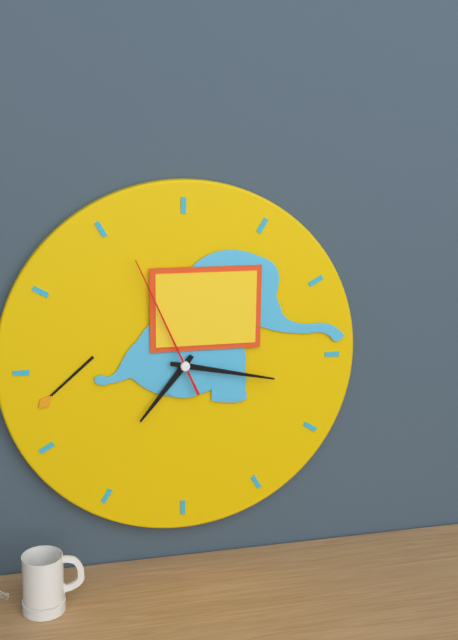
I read 7.17.56
